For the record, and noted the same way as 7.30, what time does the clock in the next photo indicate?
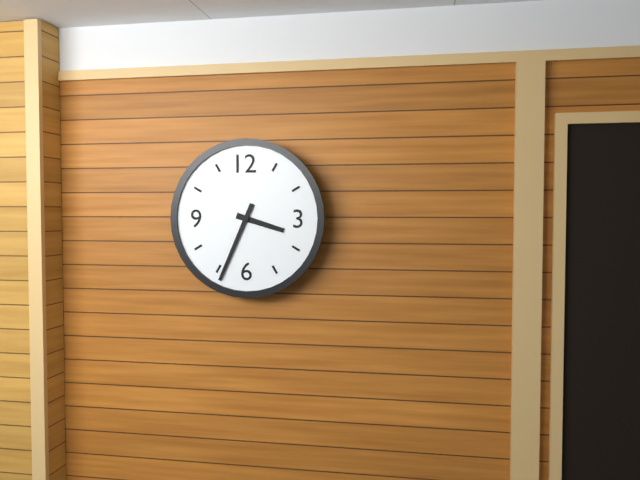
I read 3.34
